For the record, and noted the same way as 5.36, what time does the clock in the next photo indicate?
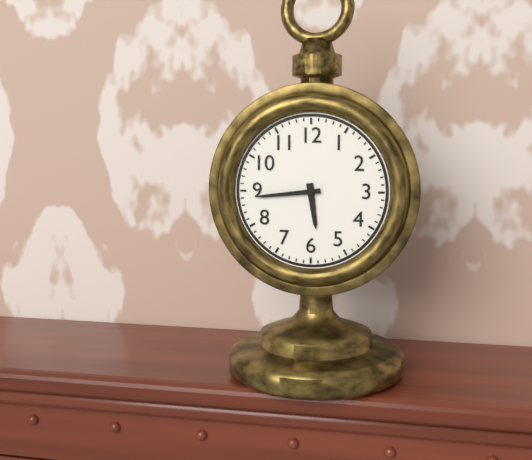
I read 5.44
